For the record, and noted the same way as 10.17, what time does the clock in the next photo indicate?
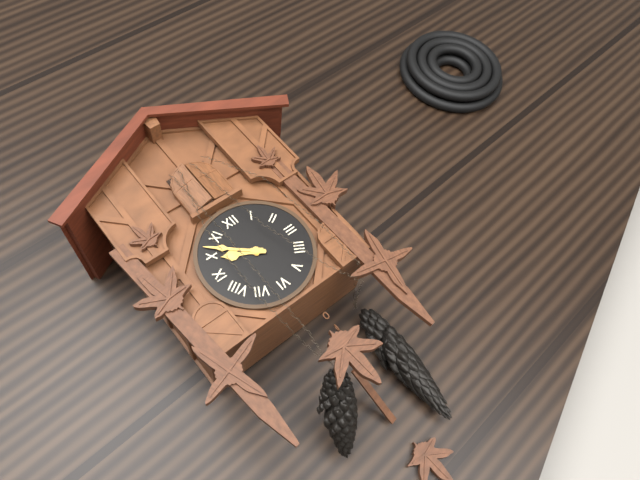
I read 9.52
